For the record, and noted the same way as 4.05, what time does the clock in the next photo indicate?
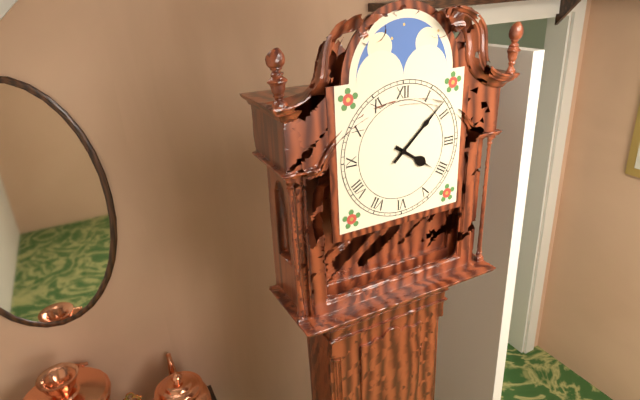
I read 4.08
